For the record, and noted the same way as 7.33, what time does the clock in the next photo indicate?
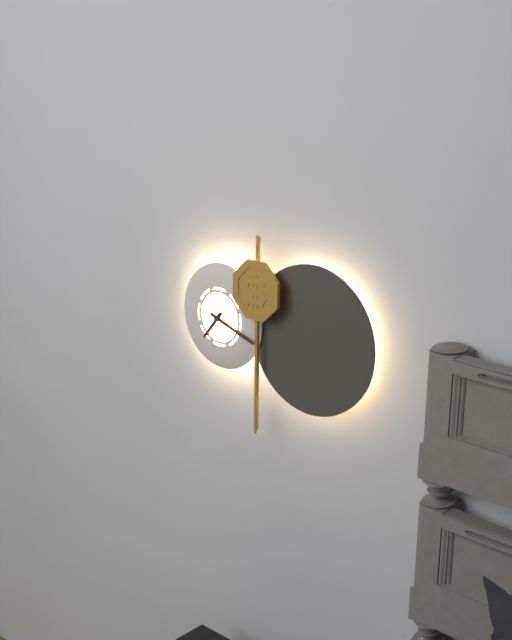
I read 7.18
